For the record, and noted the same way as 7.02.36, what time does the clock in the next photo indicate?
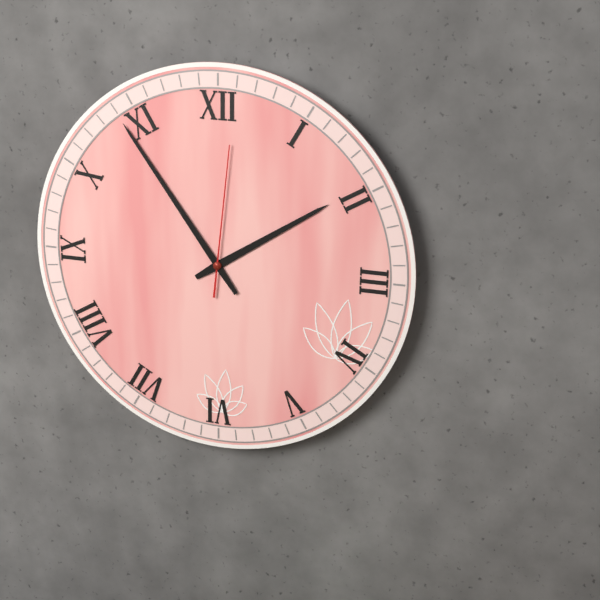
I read 1.54.01
